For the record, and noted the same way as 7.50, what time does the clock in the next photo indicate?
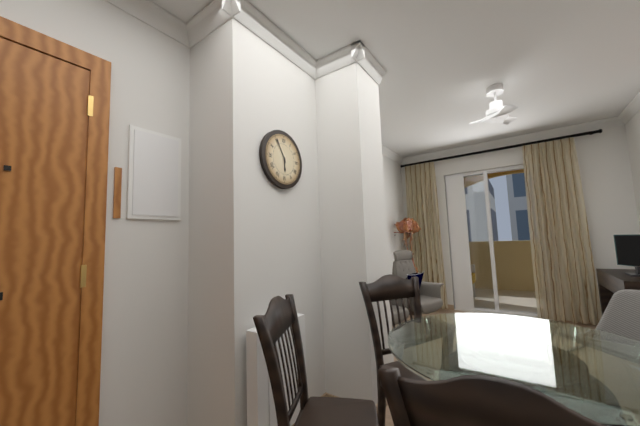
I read 5.55
